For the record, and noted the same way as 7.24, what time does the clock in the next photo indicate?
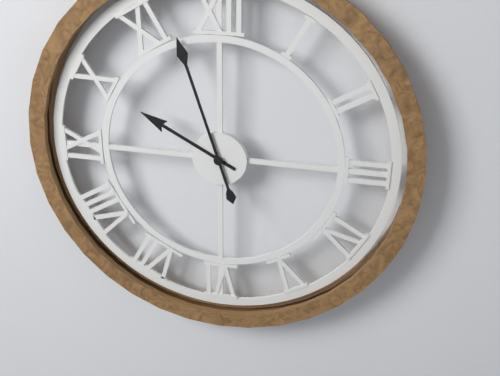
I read 9.57
